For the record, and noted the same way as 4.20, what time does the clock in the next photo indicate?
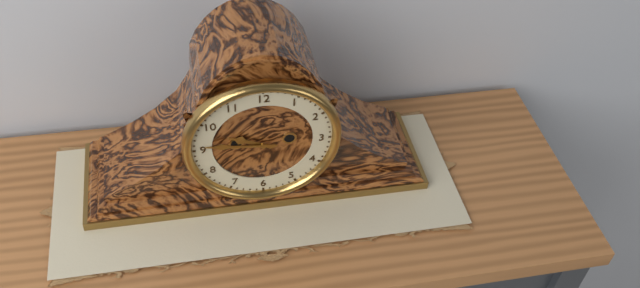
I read 9.46
